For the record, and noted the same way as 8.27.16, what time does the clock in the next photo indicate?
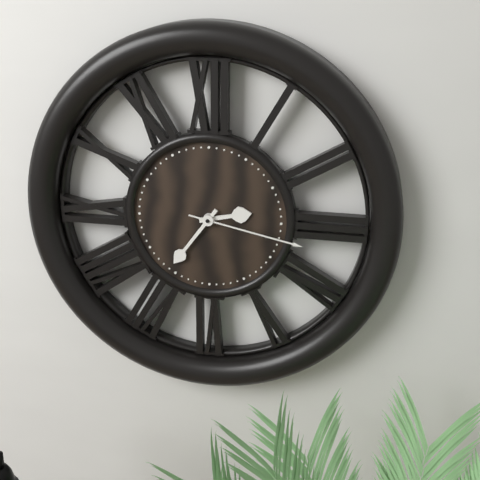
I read 2.36.17
